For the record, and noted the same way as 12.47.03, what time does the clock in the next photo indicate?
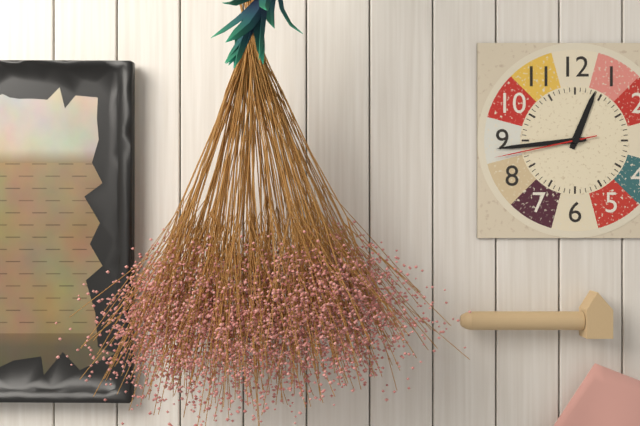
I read 12.44.43
